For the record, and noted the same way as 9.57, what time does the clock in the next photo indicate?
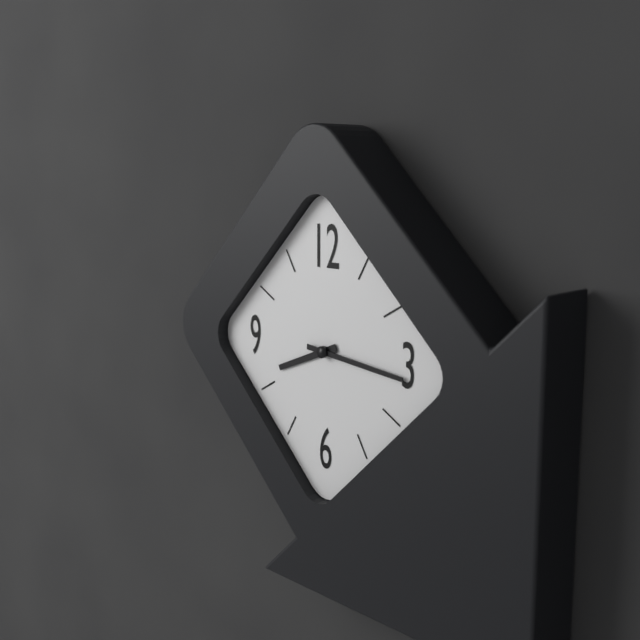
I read 8.16
